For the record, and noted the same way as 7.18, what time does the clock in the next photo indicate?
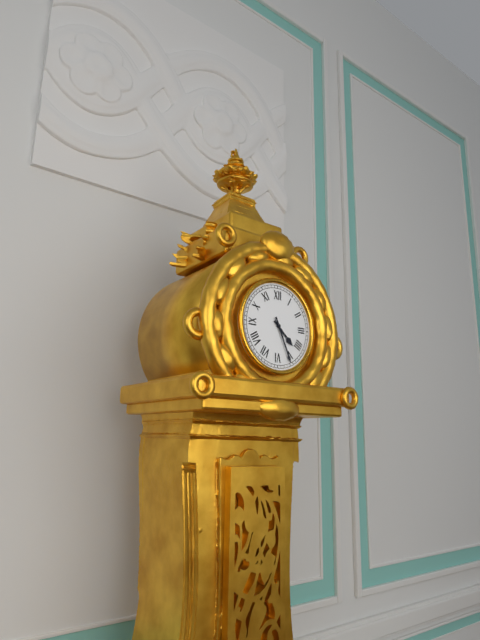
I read 4.26
